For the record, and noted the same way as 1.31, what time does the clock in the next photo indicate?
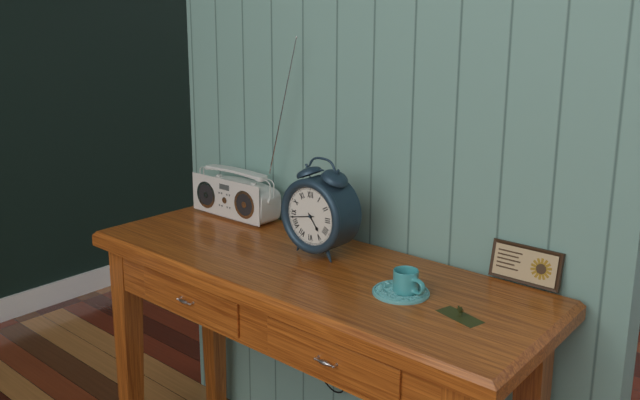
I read 4.43
